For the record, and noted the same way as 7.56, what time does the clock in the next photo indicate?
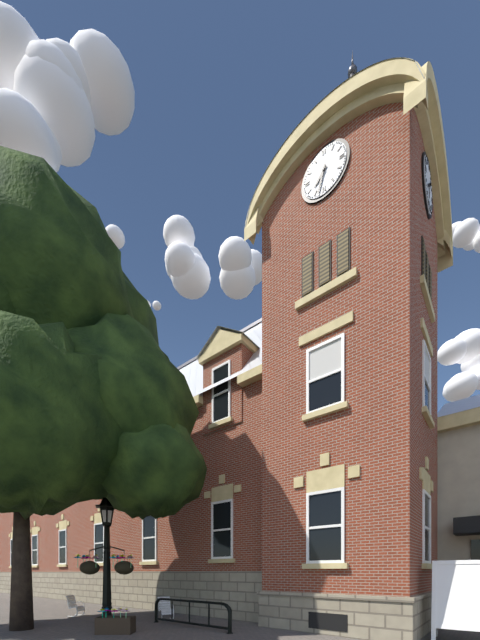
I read 7.33
